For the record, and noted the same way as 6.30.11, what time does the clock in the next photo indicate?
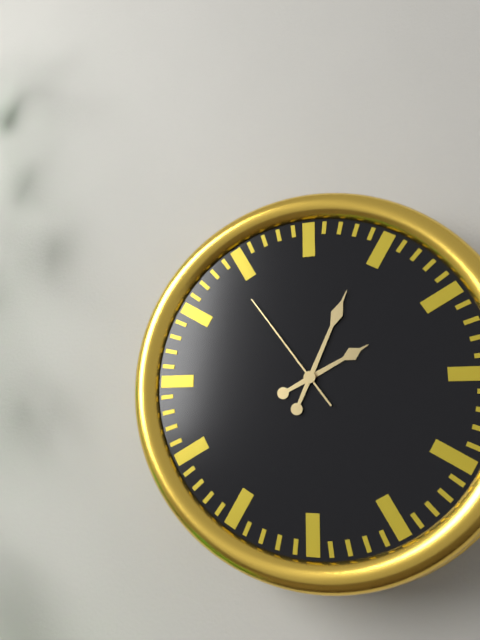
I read 2.04.54
